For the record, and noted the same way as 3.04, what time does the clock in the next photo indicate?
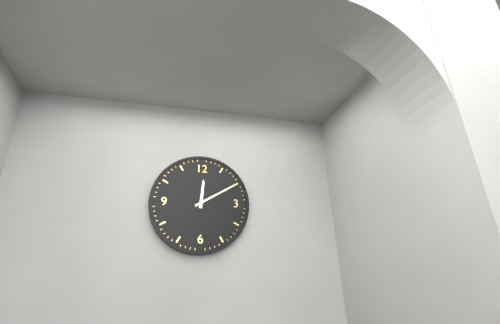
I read 12.10
